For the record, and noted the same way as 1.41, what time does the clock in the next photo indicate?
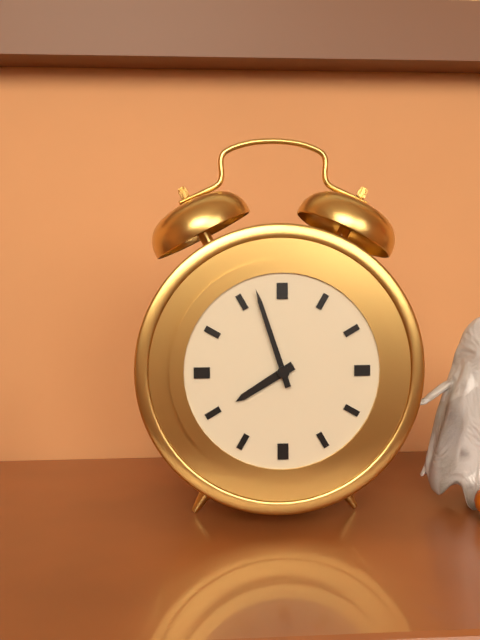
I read 7.57
